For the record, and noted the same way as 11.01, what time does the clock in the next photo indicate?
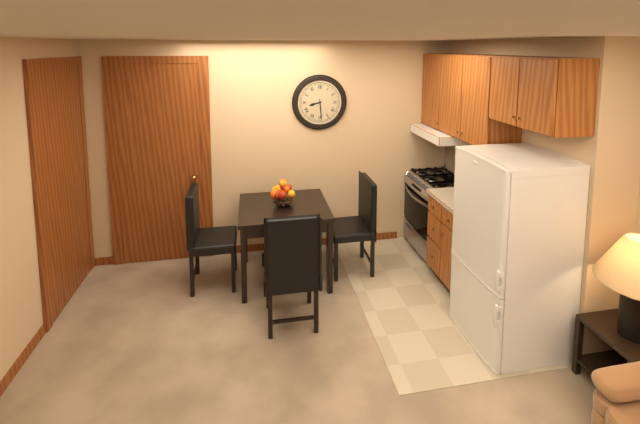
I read 8.29
